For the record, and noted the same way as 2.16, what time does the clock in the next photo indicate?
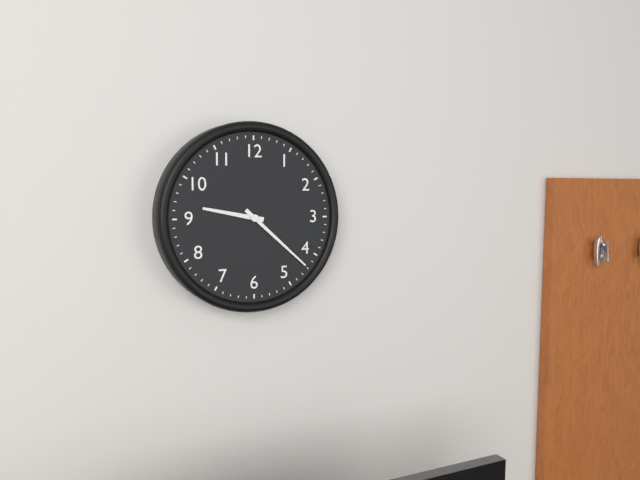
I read 9.22
